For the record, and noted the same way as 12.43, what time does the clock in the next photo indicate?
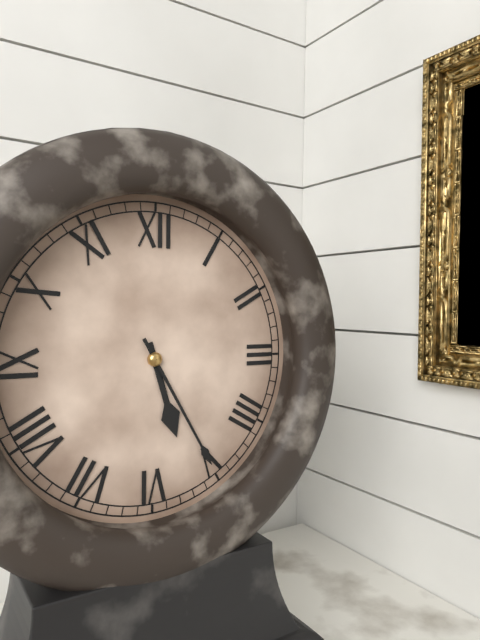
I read 5.25
